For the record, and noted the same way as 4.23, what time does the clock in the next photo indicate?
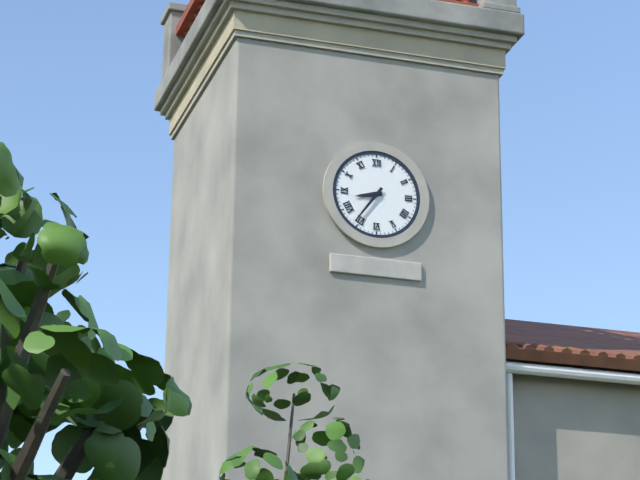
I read 8.36
